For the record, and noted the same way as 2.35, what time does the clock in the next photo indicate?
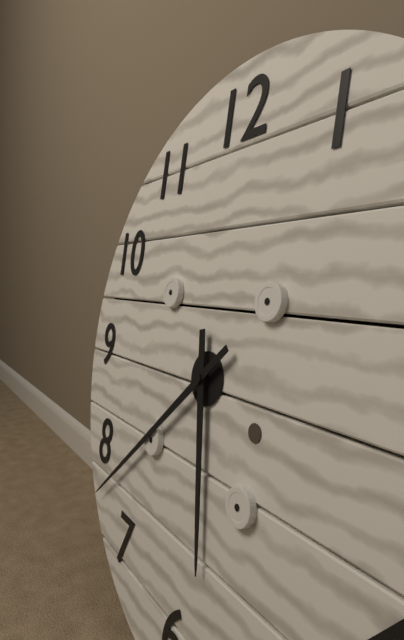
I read 5.38
